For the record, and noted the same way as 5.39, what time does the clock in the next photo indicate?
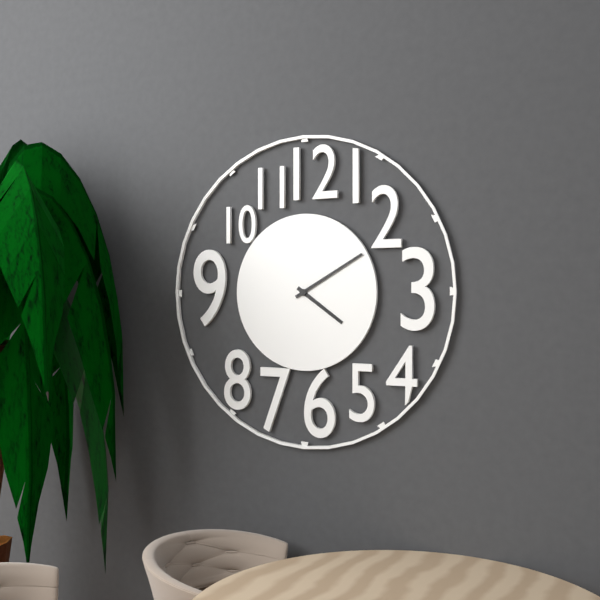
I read 4.10
